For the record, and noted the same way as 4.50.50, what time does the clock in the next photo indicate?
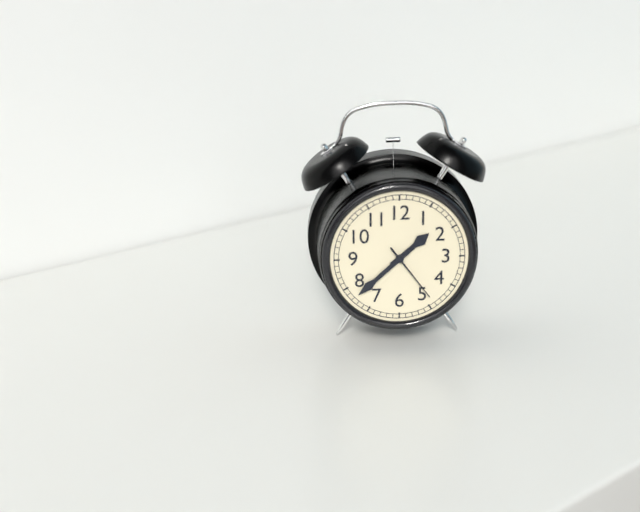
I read 1.38.24
